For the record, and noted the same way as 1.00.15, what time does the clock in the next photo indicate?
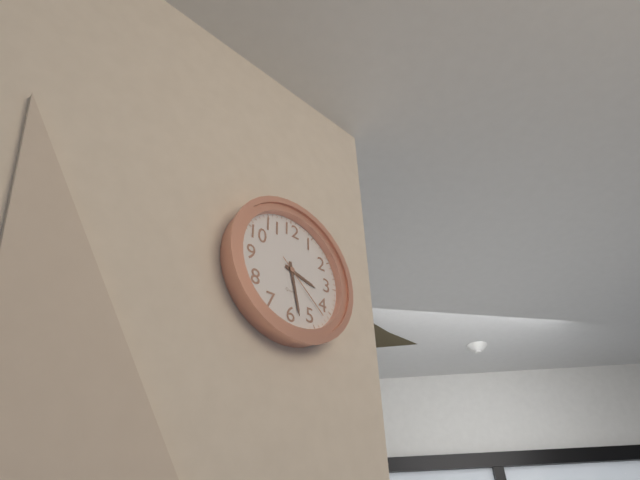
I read 3.28.22
